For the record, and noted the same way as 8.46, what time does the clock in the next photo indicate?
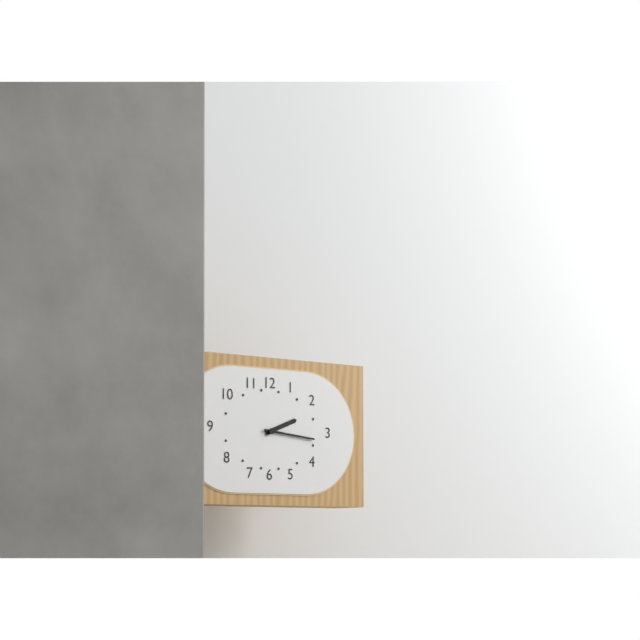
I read 2.16
